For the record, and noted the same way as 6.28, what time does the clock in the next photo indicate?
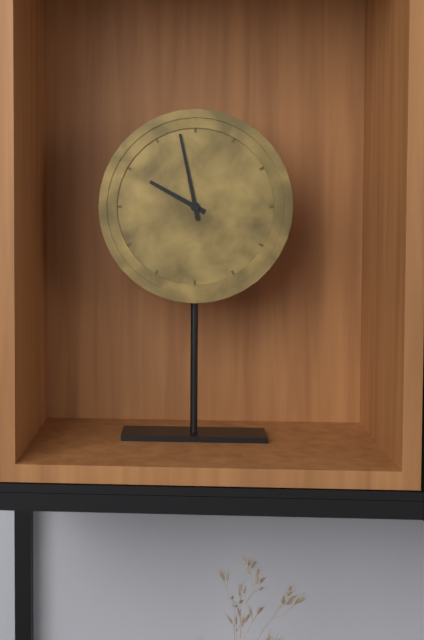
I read 9.58
